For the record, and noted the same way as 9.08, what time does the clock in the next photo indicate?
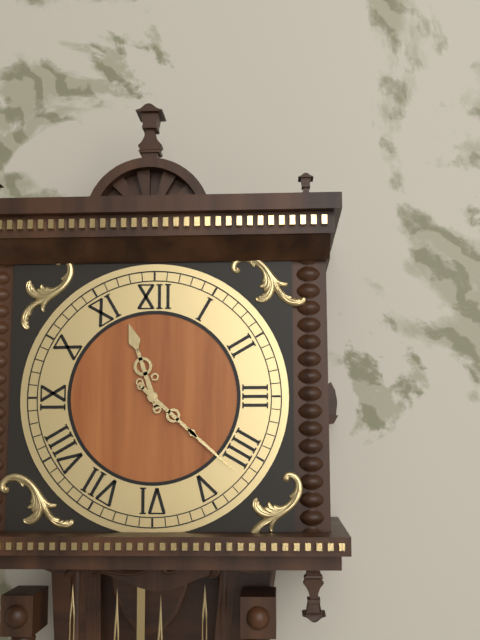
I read 11.22
